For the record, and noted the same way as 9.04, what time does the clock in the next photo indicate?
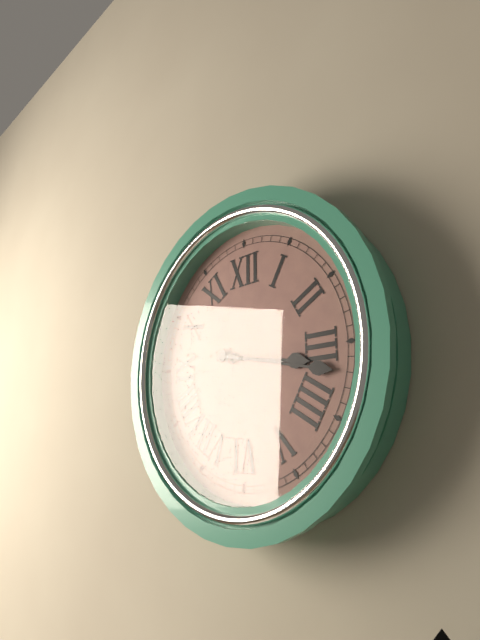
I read 3.17
